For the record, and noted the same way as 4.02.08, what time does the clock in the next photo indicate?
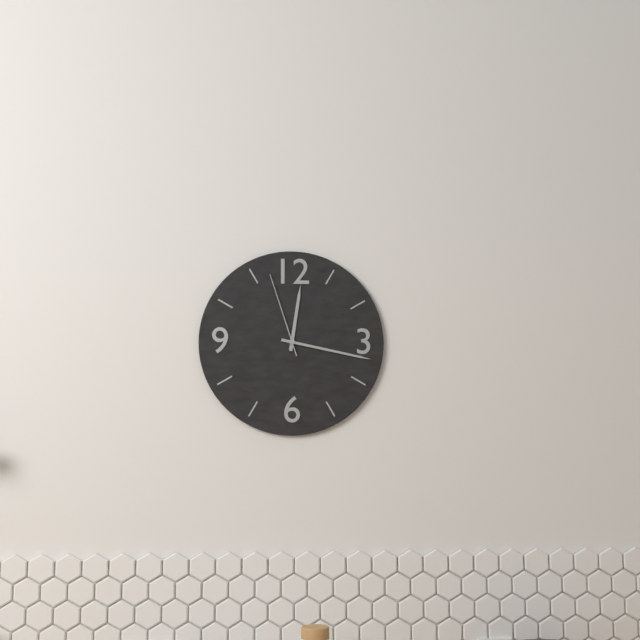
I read 12.17.57
